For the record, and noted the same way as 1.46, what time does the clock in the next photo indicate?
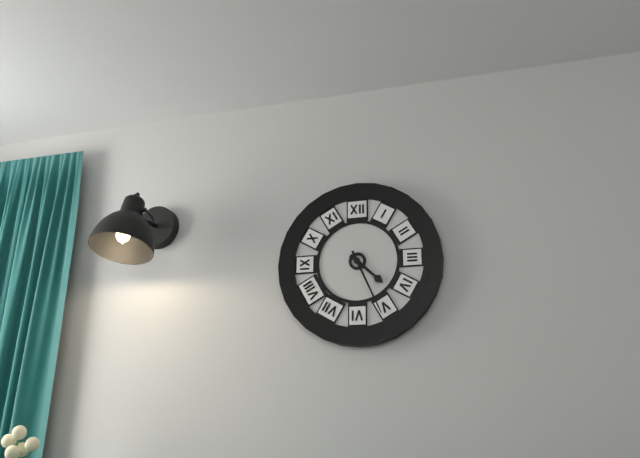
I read 4.26
